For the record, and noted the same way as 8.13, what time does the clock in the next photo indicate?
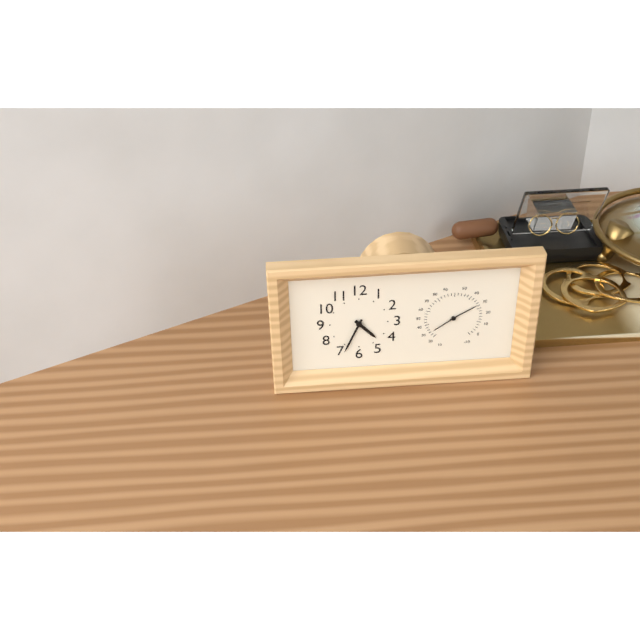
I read 4.34
